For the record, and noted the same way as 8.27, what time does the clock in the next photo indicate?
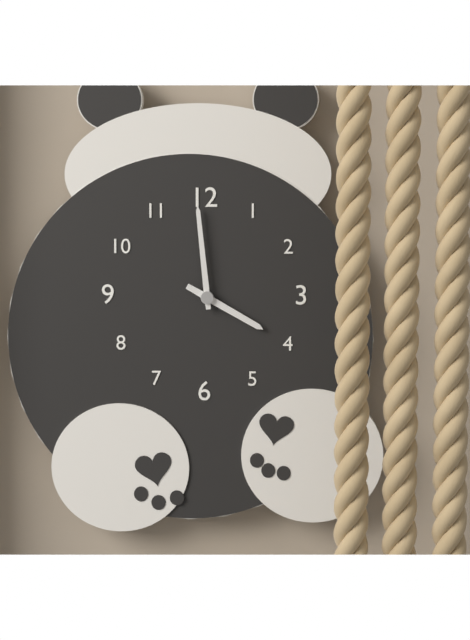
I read 3.59
